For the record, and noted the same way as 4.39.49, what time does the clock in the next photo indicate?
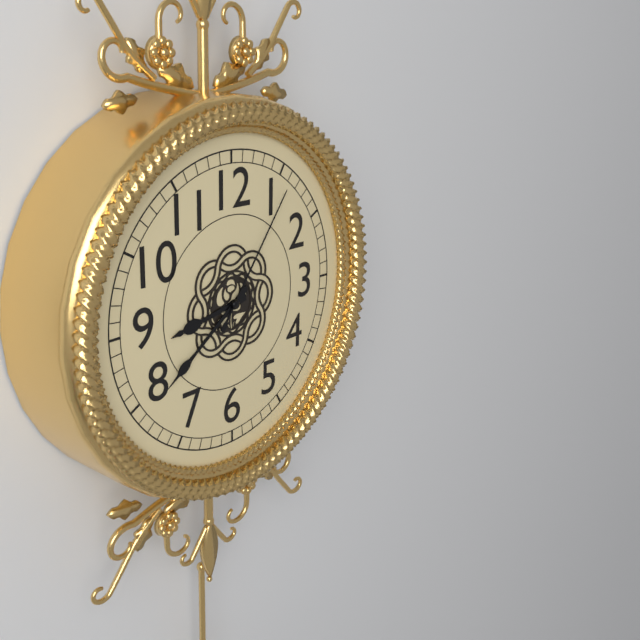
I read 8.39.06
